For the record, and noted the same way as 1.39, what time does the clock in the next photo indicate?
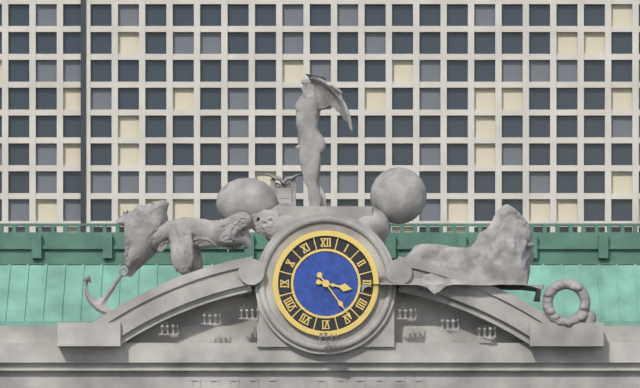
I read 3.24
